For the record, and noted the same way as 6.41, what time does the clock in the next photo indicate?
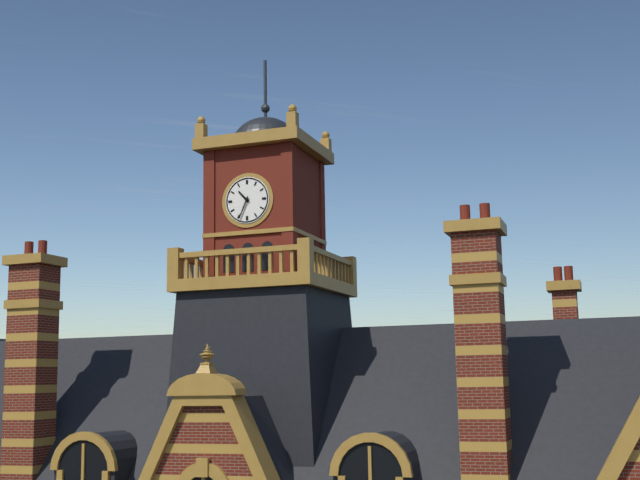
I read 10.34
